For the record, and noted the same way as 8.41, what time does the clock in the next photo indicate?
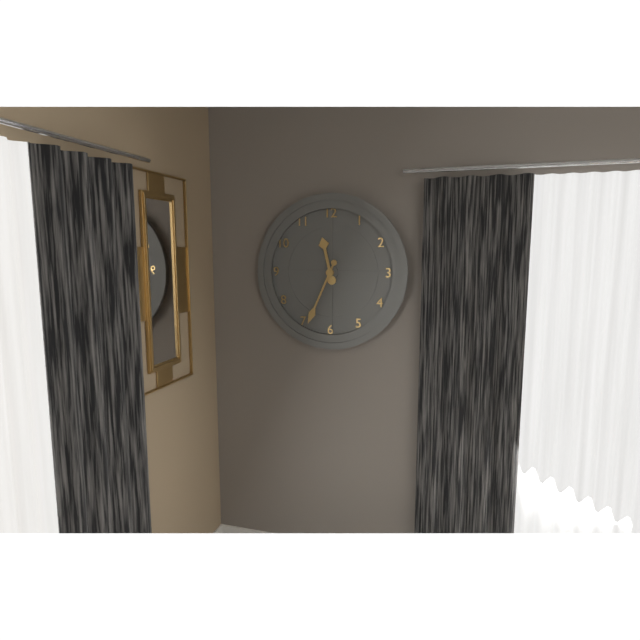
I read 11.34
